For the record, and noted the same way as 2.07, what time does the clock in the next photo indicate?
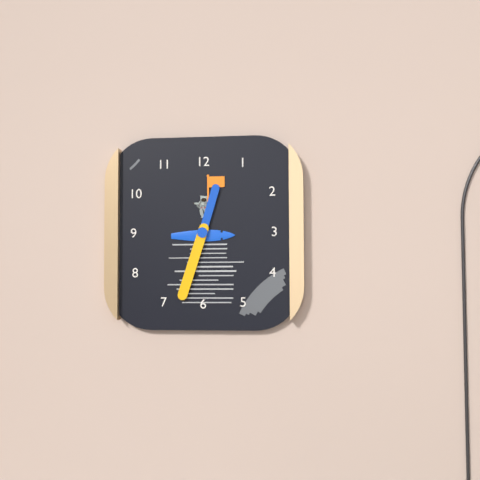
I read 12.33
